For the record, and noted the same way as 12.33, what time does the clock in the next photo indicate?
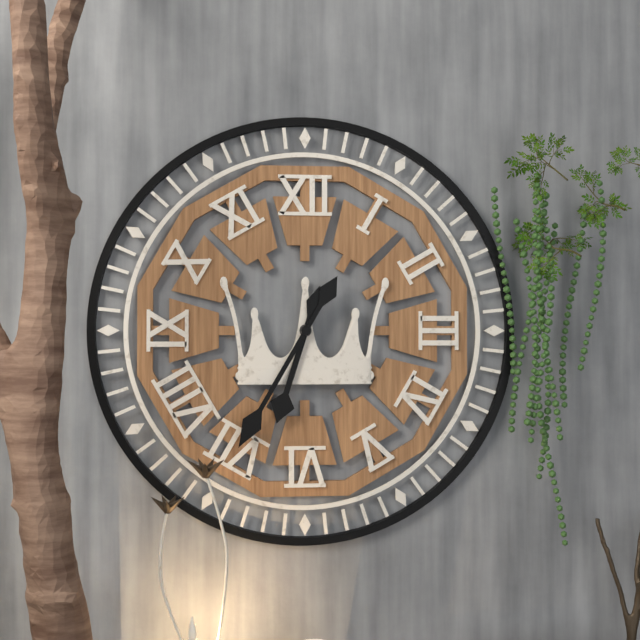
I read 6.35
